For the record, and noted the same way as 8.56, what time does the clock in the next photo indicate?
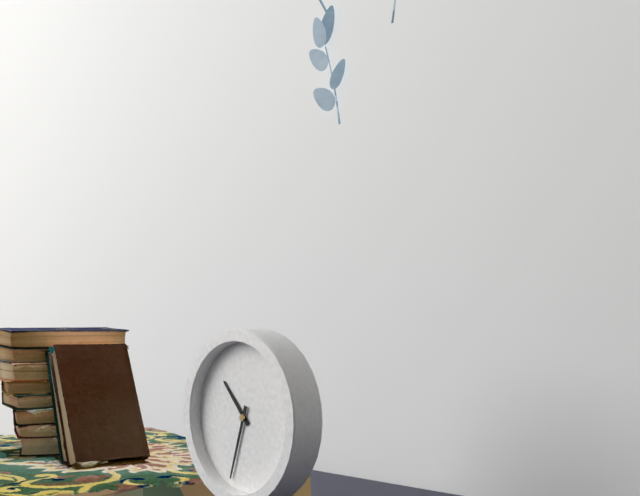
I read 10.33
